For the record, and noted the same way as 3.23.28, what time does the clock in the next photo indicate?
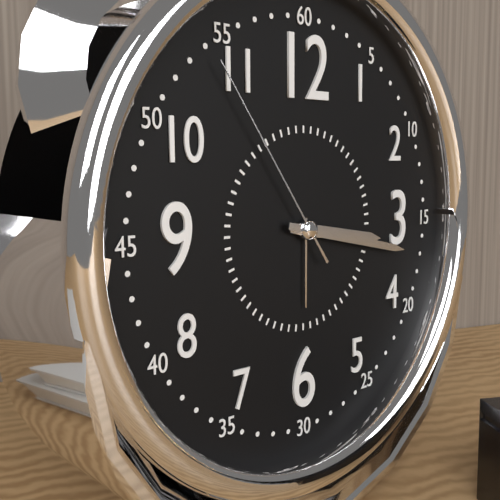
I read 3.17.54
